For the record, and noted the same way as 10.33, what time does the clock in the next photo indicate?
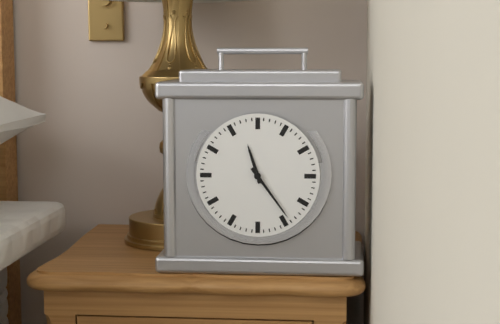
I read 11.24
